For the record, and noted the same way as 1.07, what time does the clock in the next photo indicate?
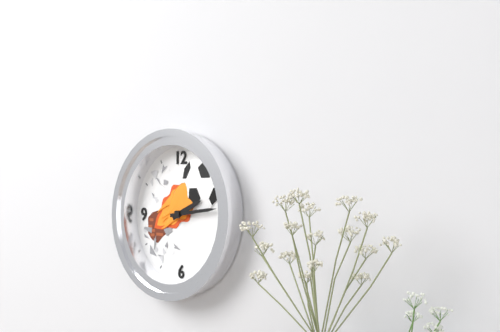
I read 2.14
